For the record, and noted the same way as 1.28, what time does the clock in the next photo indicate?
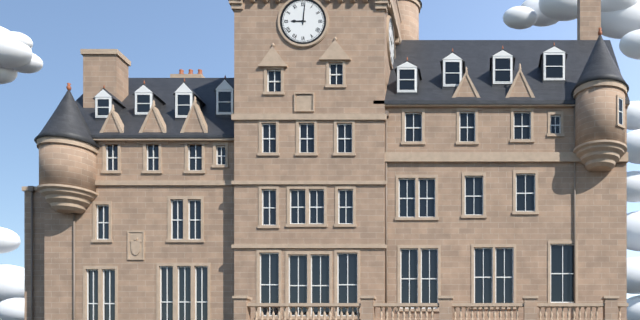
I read 9.01
